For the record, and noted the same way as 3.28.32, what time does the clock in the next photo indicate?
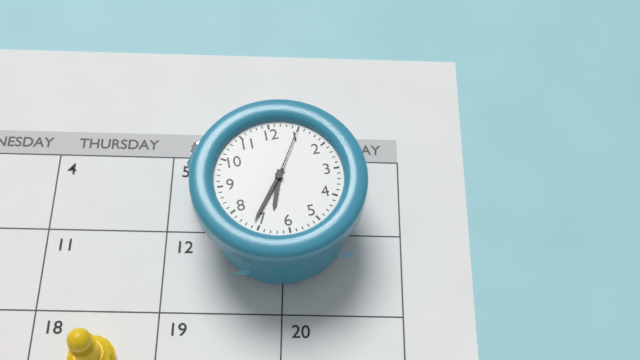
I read 6.36.05
